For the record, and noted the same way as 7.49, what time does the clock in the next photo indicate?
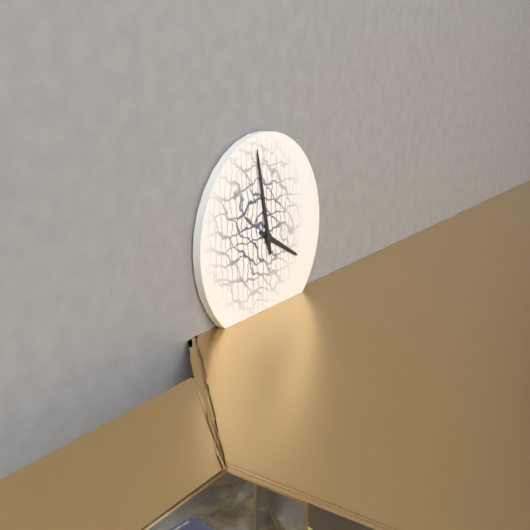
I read 3.58
